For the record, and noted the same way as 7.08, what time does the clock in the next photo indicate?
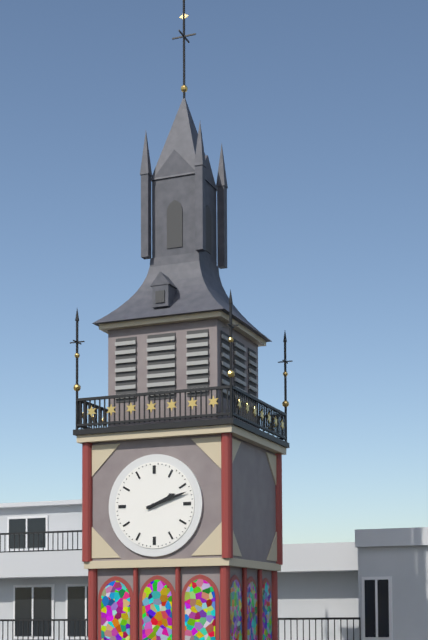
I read 2.12
